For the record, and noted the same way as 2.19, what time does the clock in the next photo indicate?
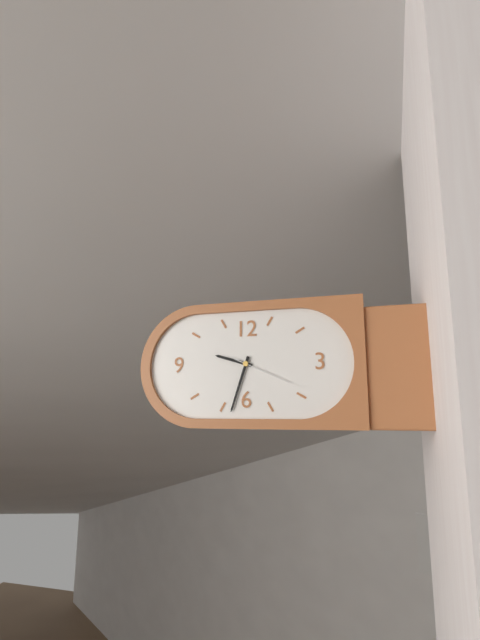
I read 9.33
